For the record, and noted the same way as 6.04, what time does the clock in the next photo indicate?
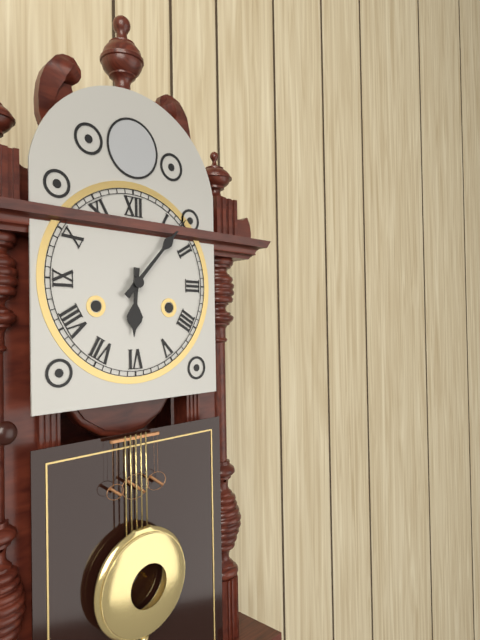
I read 6.07
